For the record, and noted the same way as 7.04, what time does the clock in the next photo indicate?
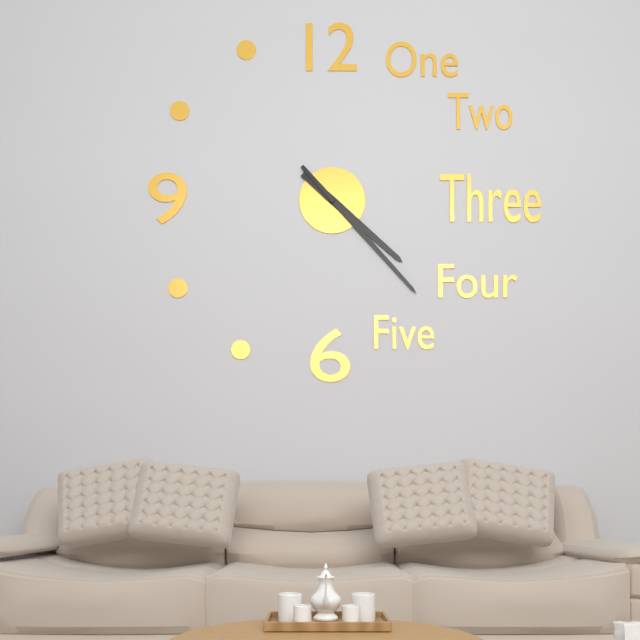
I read 4.23
